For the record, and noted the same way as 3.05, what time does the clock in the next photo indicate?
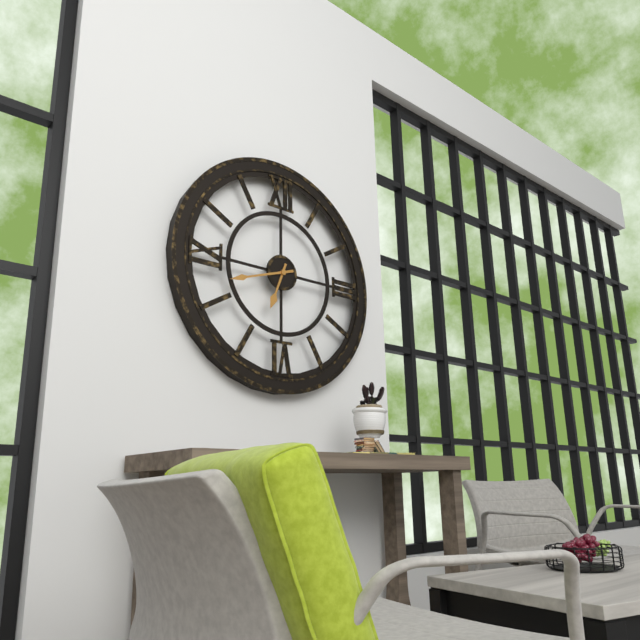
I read 6.42
